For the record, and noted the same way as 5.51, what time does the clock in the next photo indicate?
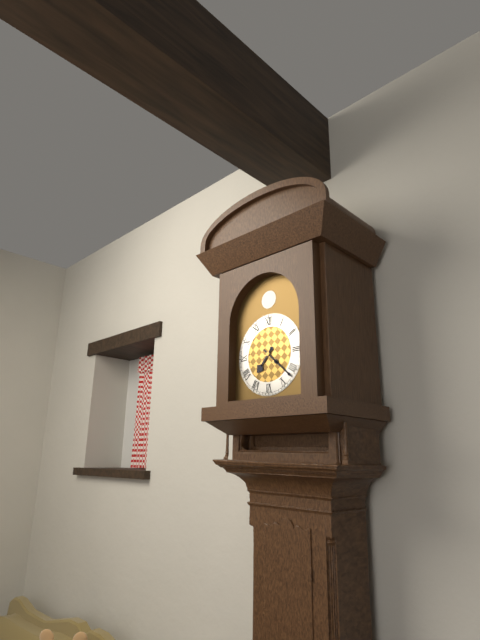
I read 7.22
